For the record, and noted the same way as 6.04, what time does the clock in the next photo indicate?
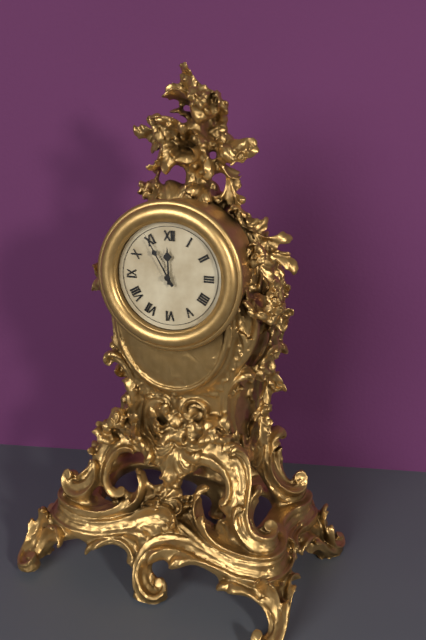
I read 11.55
